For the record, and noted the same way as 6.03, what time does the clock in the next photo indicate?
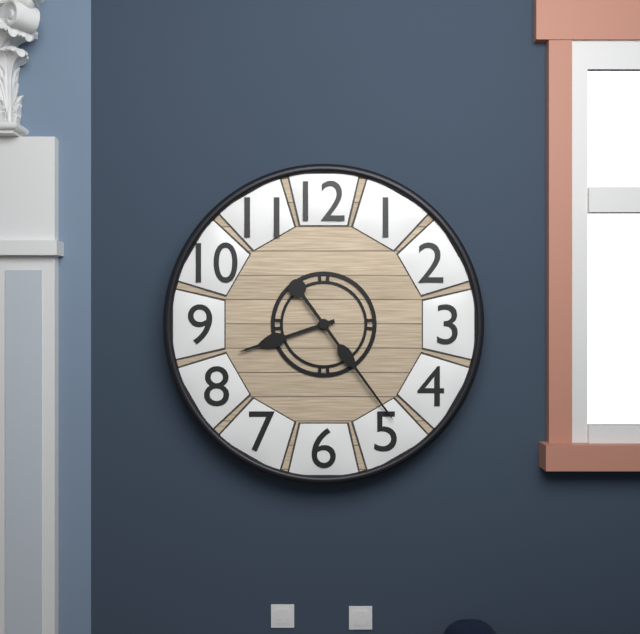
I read 8.24
